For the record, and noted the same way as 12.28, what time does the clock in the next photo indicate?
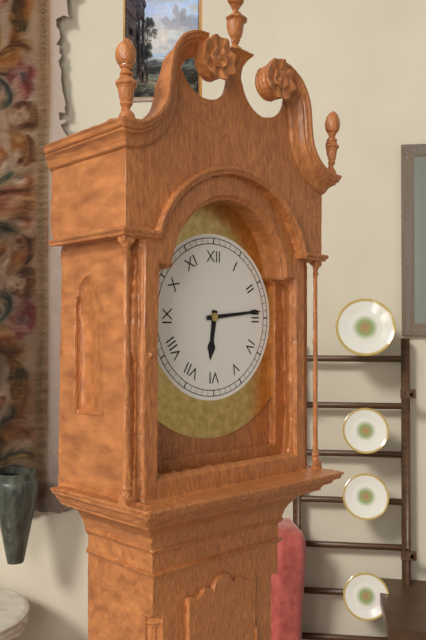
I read 6.14
